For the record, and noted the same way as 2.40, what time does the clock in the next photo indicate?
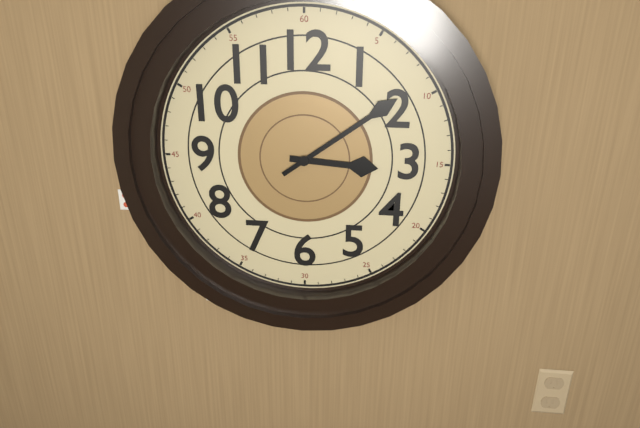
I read 3.09
